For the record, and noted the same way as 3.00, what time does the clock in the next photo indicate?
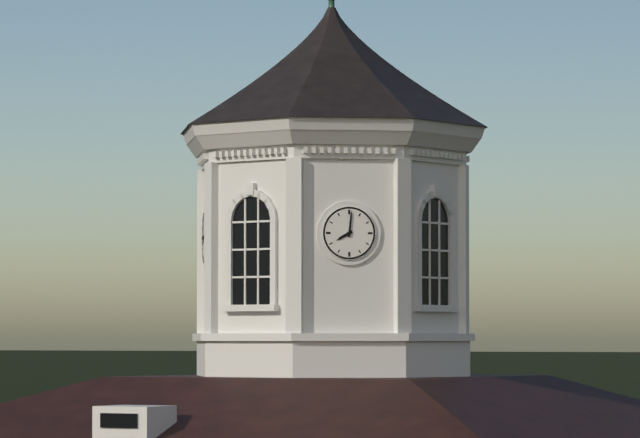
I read 8.01
